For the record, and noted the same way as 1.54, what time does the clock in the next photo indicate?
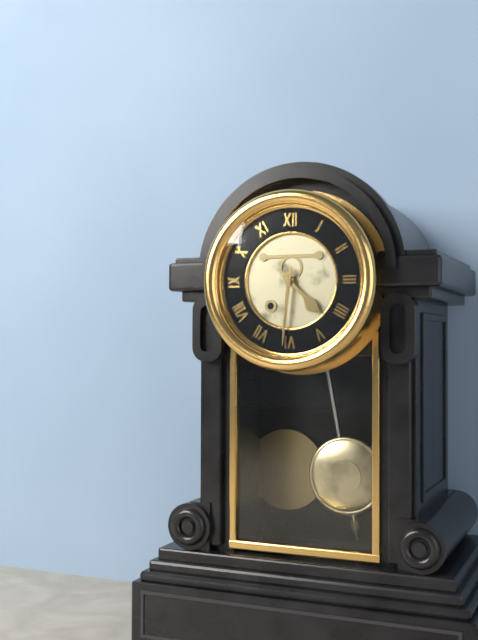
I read 4.31
